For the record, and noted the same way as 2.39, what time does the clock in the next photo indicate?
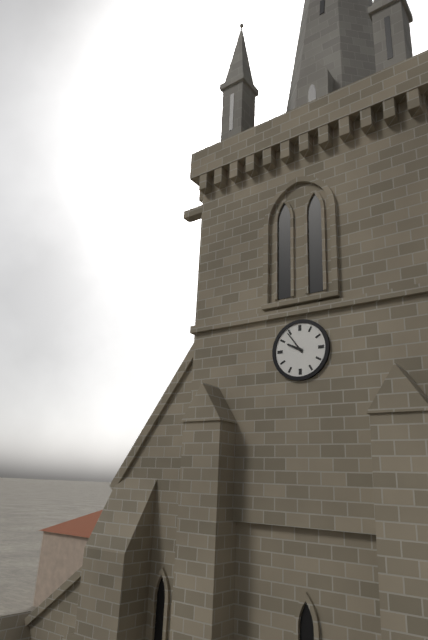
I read 9.54
